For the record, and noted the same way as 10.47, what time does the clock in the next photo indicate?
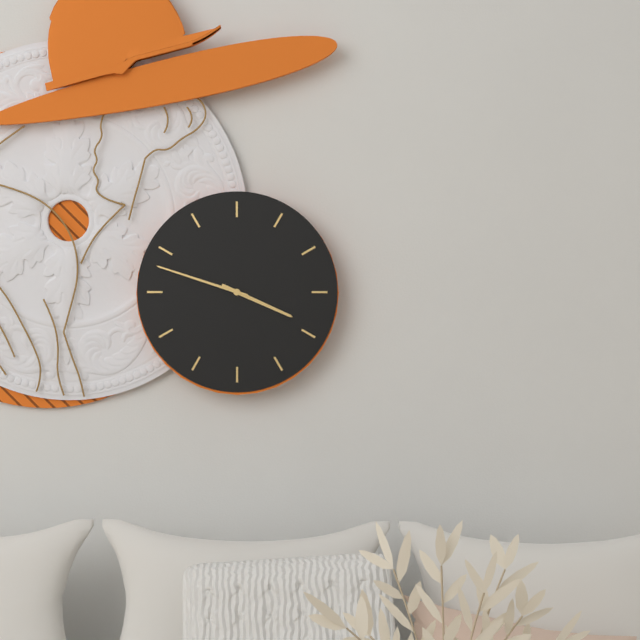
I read 3.48
